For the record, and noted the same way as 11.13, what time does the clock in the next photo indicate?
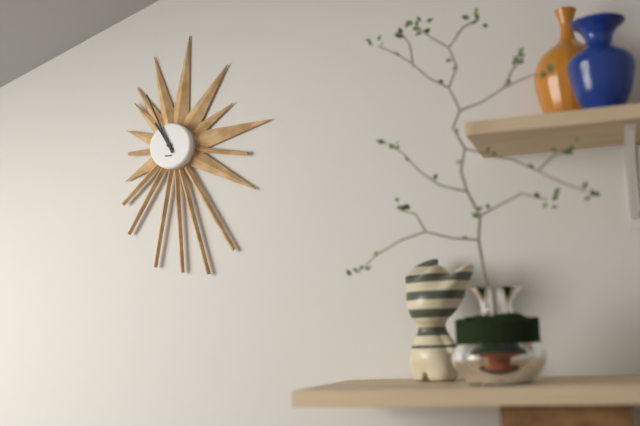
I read 10.56
